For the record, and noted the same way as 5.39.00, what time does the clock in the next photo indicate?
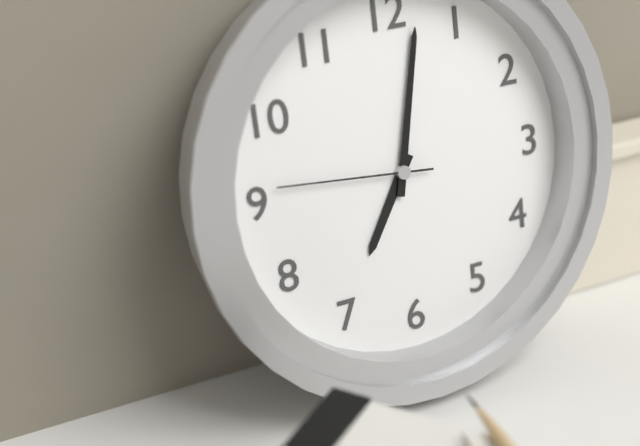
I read 7.02.46
